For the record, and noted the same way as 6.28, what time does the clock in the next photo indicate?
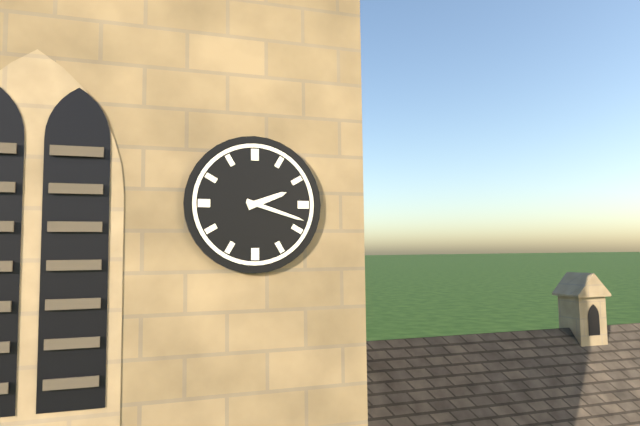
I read 2.18
